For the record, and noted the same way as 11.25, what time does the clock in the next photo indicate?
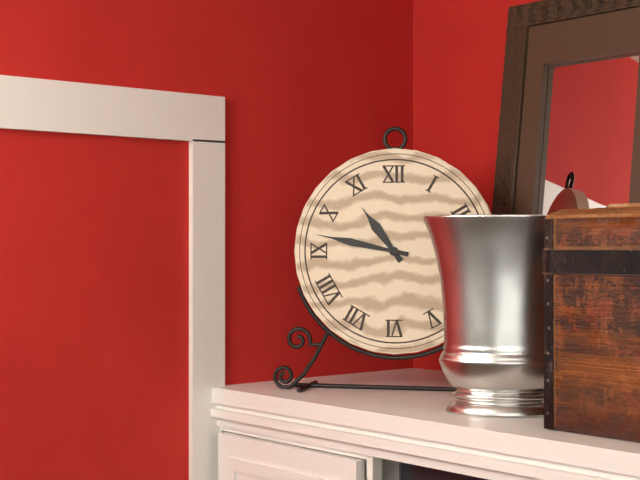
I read 10.47
